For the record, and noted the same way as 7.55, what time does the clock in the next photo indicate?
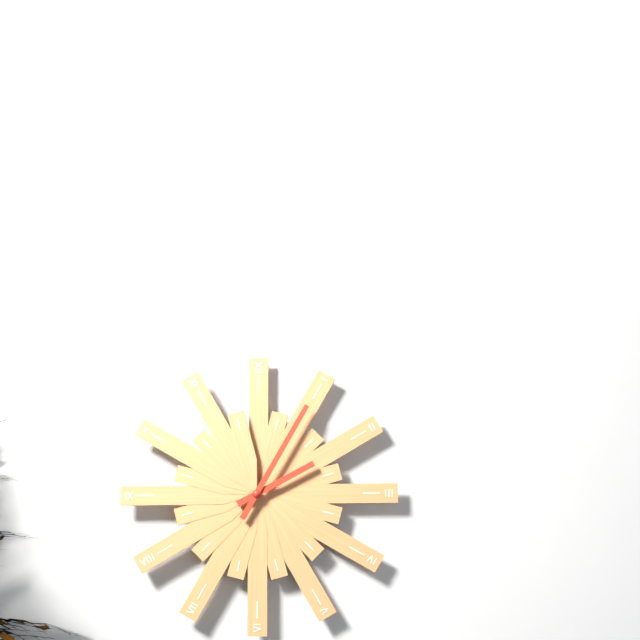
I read 2.05
